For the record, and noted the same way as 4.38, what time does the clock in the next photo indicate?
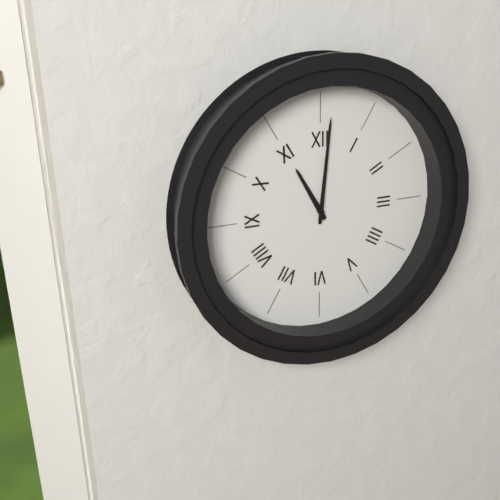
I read 11.01
